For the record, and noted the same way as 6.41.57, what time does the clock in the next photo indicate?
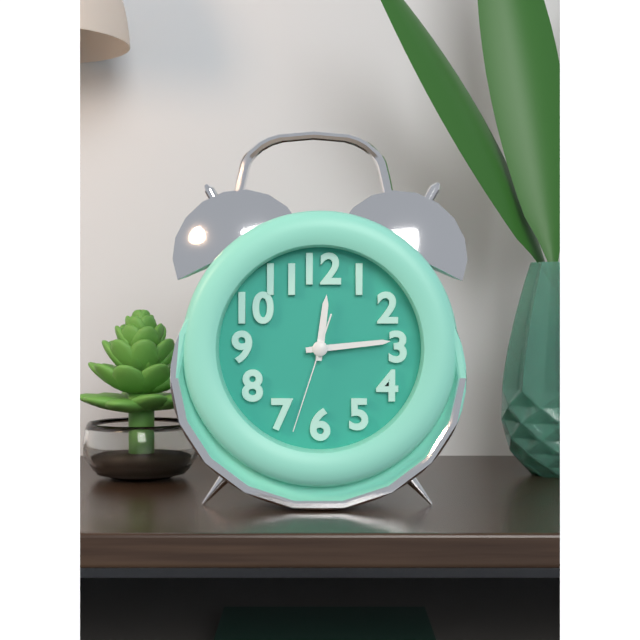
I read 12.14.33
